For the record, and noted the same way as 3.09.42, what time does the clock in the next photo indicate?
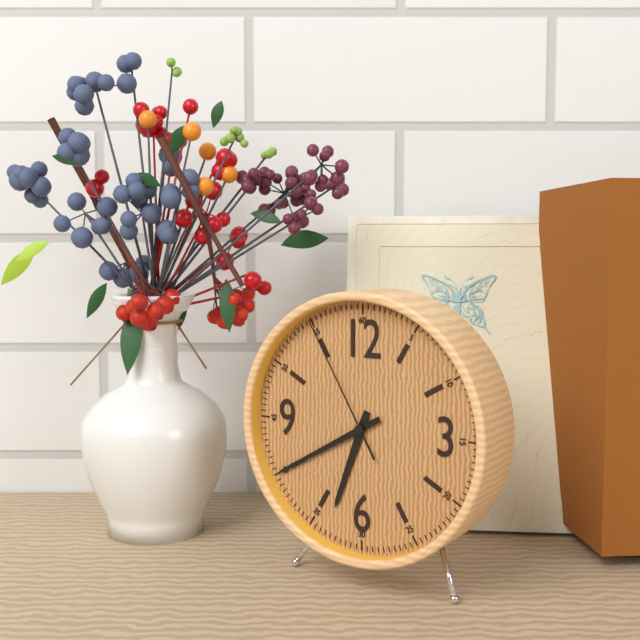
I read 6.40.55
